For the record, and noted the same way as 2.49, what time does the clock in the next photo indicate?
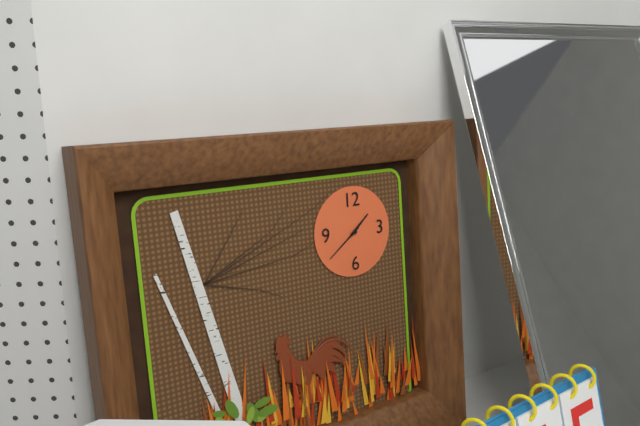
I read 1.39
